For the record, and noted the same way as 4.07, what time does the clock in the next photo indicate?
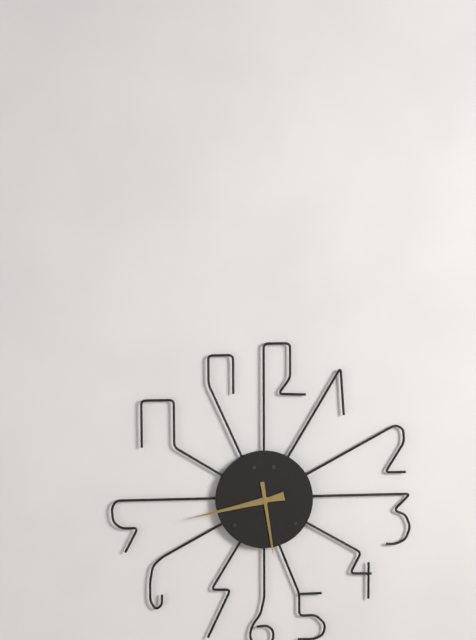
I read 5.43
